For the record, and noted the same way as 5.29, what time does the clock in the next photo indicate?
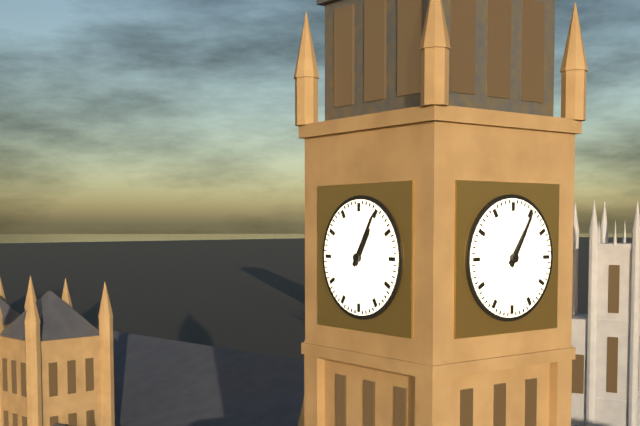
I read 1.05
